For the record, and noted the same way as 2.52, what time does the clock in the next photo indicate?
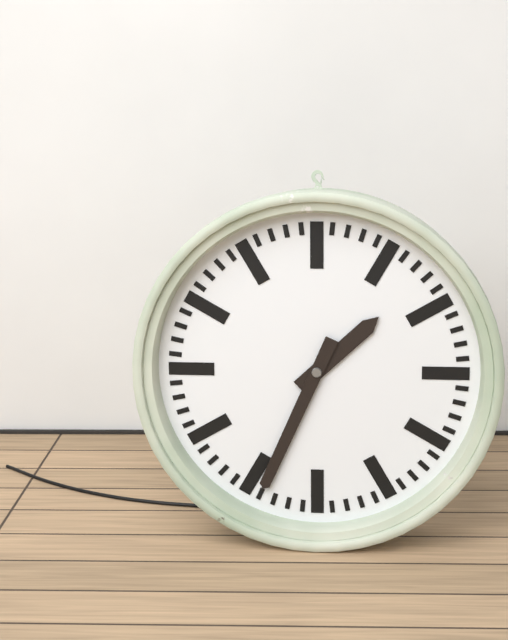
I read 1.34
